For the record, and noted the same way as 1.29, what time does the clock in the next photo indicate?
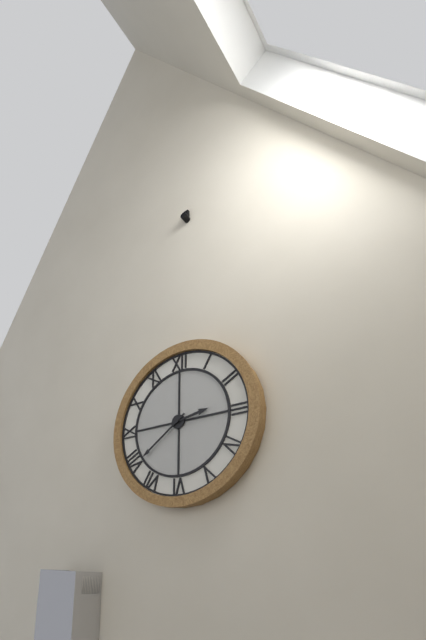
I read 2.39
